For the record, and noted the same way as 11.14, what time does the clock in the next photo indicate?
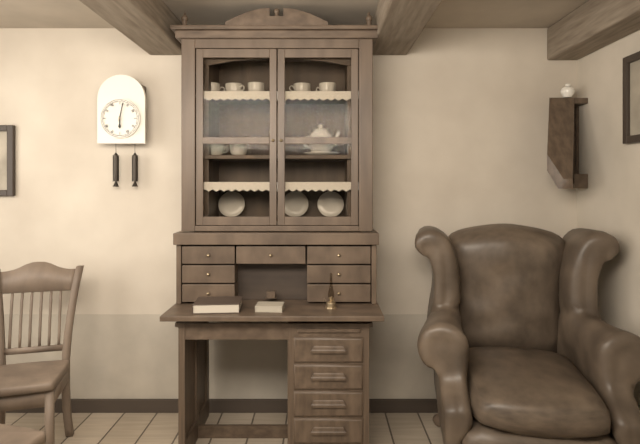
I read 6.02
